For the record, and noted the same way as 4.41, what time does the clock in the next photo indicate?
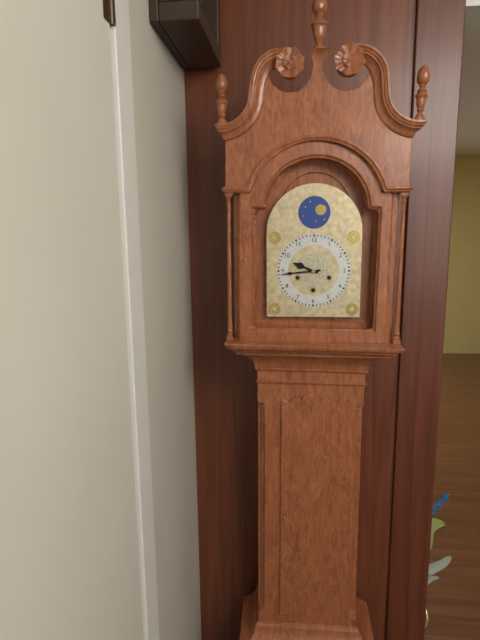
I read 9.44
